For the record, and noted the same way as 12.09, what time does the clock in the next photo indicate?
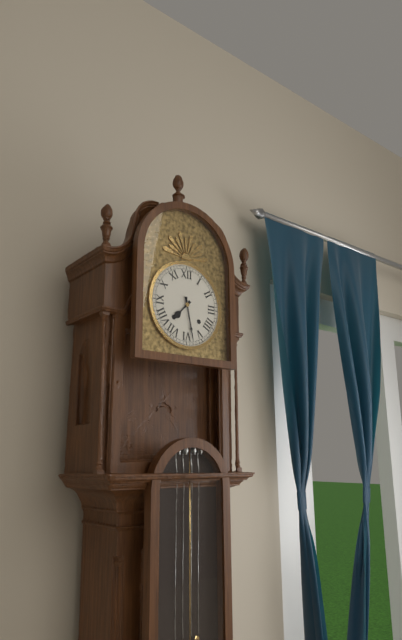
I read 7.28
